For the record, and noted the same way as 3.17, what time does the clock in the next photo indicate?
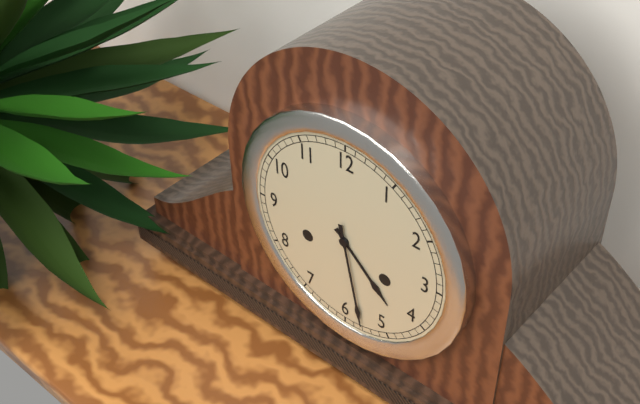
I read 4.28
